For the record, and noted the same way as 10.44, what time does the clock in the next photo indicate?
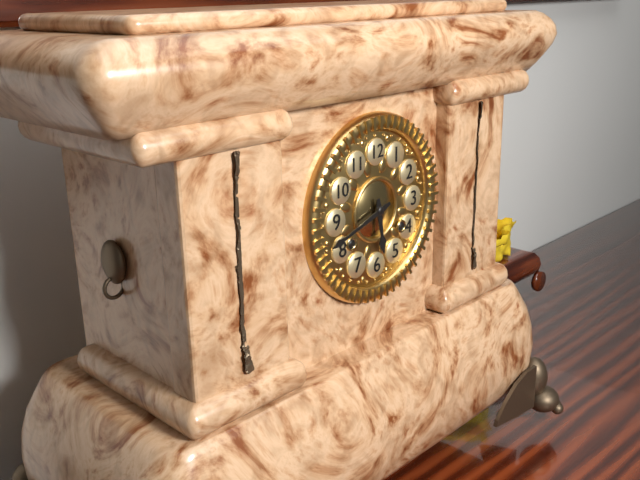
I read 5.42
